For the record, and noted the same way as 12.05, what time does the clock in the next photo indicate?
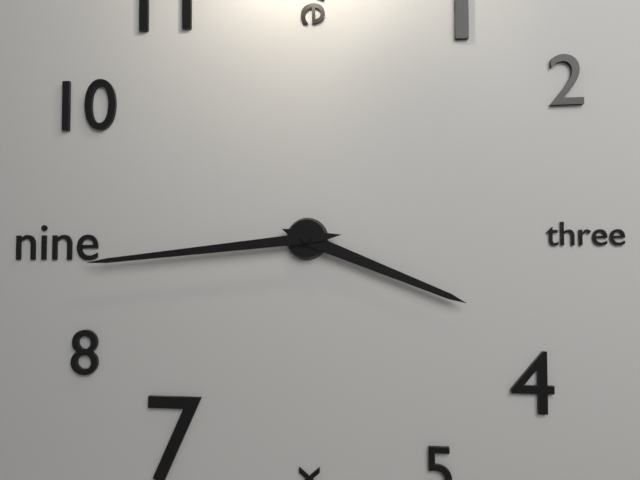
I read 3.44
